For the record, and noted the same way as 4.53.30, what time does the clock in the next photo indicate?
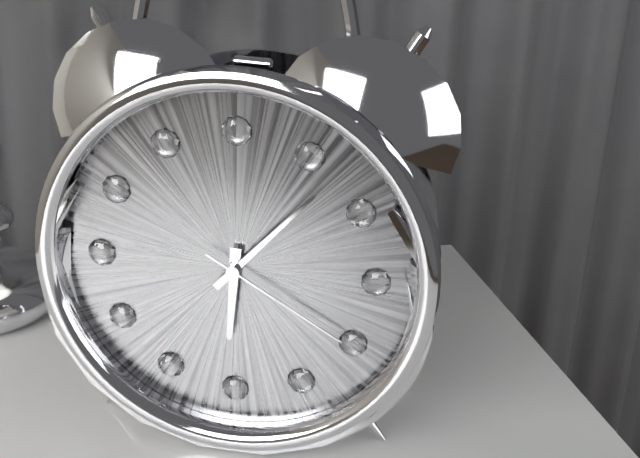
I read 6.07.20
